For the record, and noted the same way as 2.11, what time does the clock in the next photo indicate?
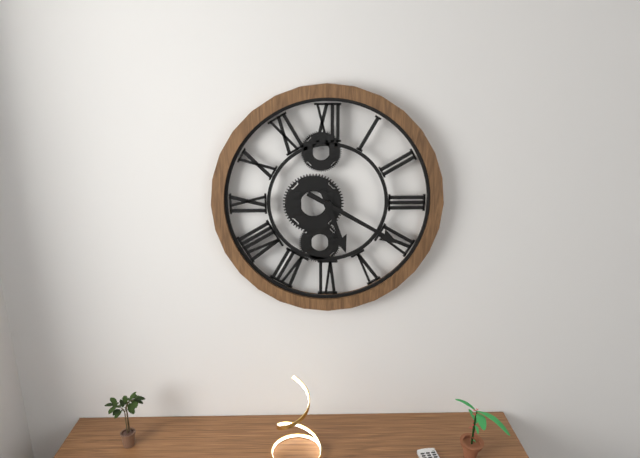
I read 5.20
